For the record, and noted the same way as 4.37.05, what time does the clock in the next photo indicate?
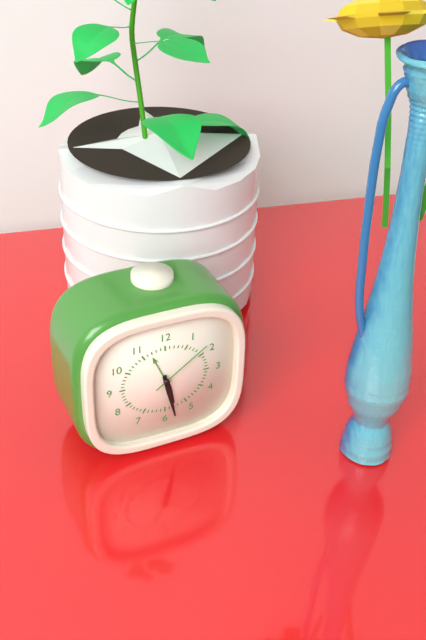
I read 5.28.09
